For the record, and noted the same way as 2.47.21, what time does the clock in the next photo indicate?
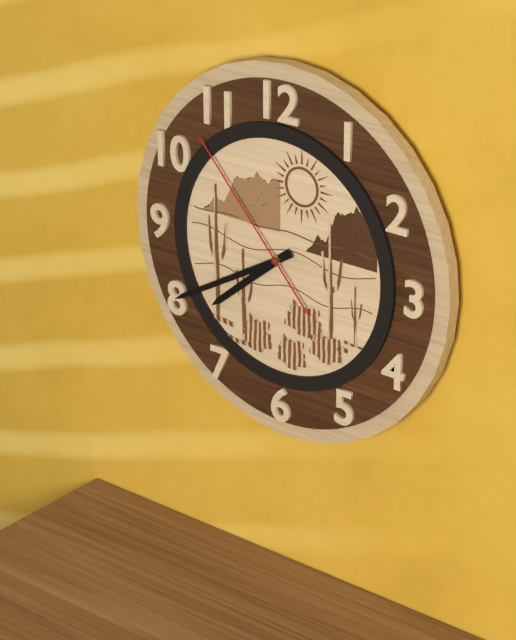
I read 7.40.53
